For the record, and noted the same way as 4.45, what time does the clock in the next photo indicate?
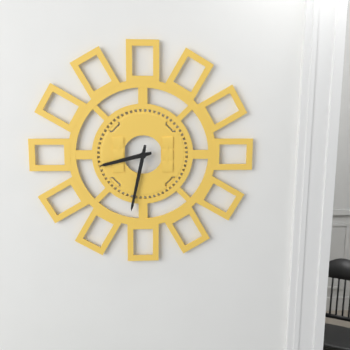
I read 8.32
